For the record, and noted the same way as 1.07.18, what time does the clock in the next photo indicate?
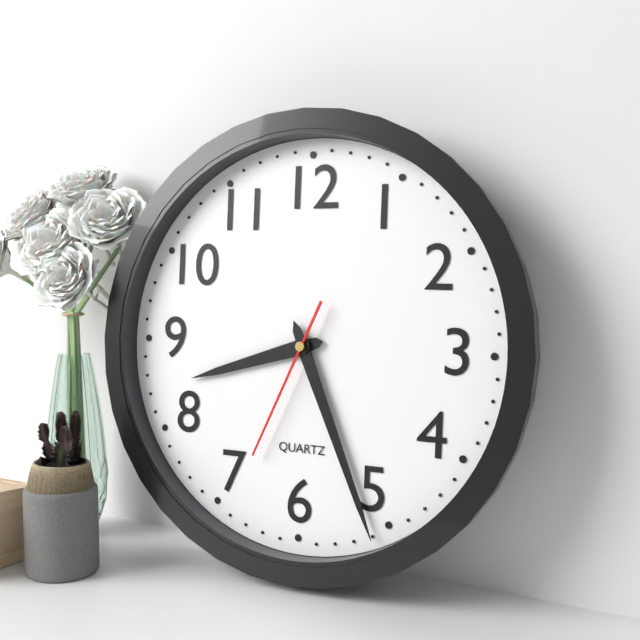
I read 8.26.34
